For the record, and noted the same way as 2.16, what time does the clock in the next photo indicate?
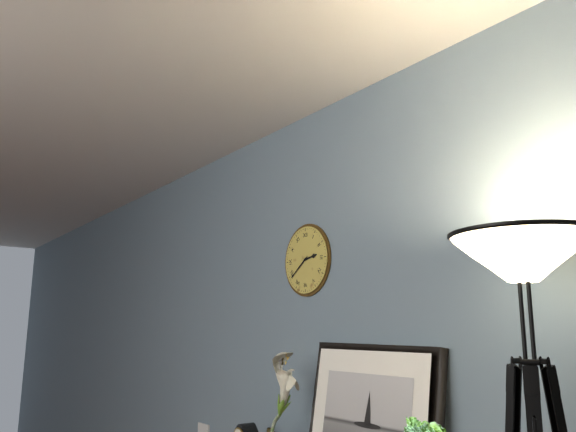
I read 2.39
